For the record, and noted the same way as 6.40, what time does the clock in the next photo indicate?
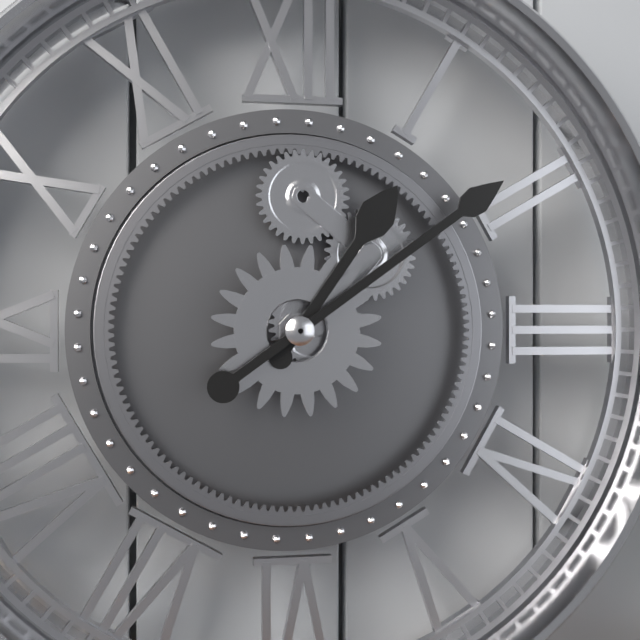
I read 1.09
